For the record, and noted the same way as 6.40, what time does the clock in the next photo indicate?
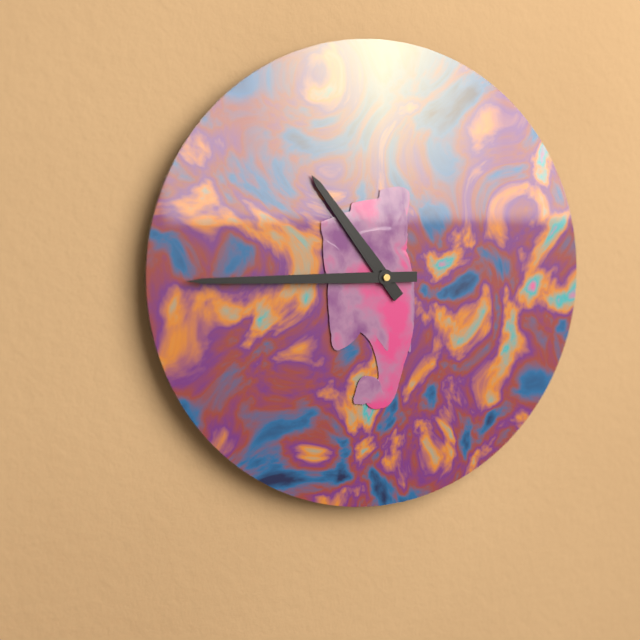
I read 10.45
